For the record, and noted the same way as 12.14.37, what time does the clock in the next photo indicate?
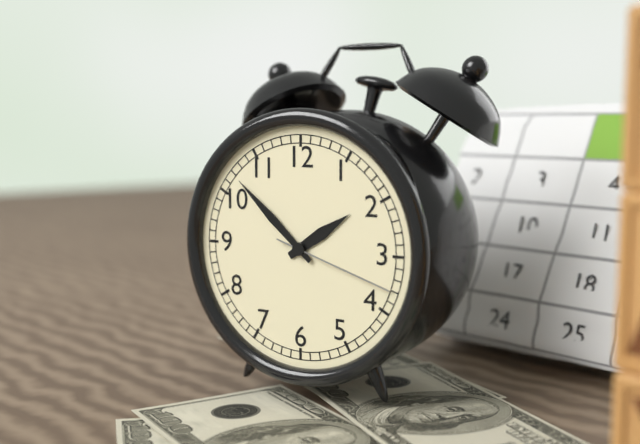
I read 1.52.18
